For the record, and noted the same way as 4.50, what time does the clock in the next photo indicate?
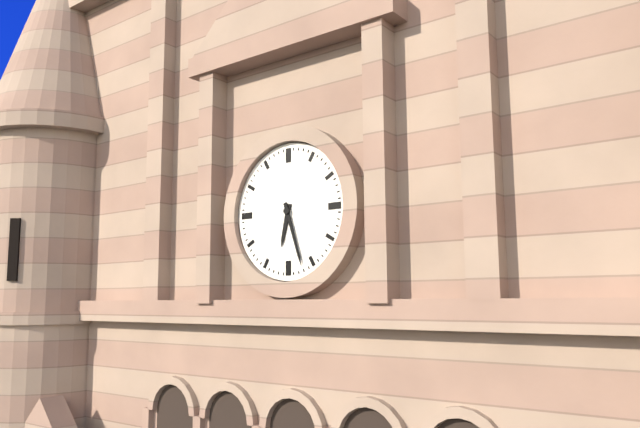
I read 6.27
